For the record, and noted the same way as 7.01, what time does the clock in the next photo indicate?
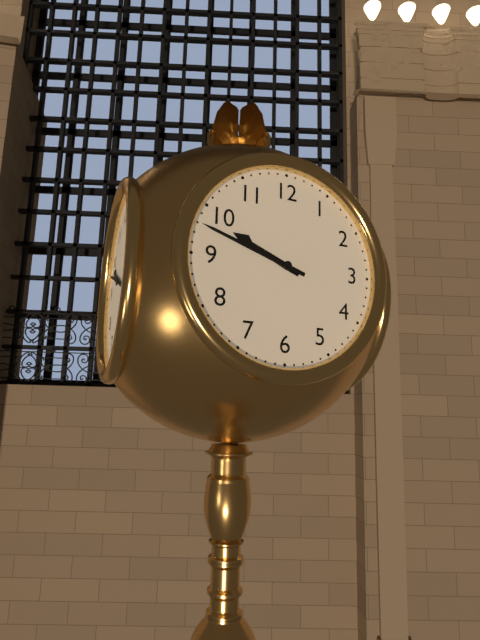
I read 9.48
